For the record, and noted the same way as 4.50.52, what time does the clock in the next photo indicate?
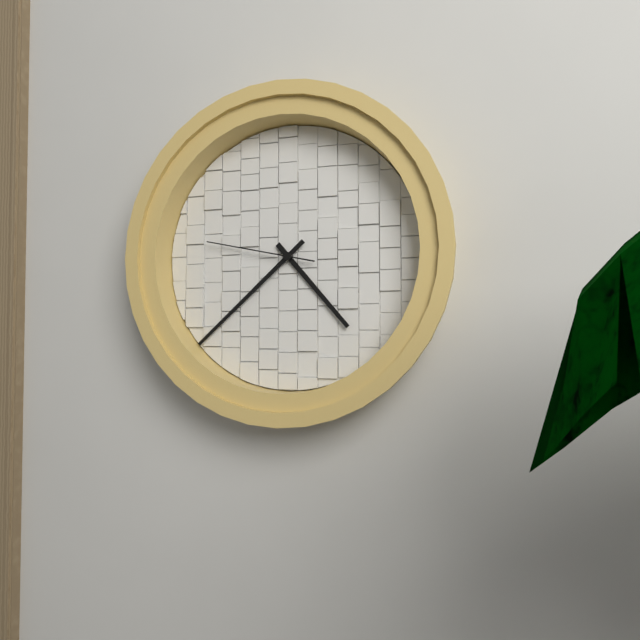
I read 4.38.47
